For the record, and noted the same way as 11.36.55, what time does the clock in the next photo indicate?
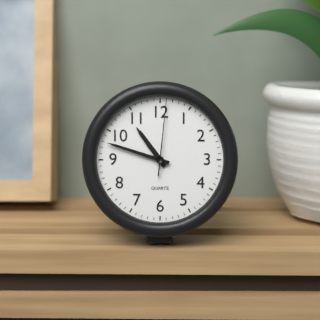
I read 10.48.01
